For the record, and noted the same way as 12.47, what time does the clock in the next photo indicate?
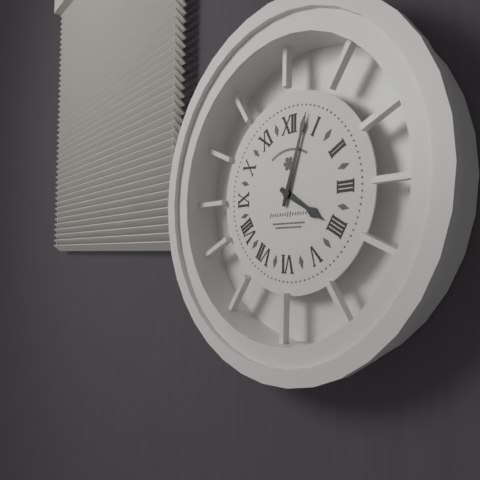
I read 4.03
